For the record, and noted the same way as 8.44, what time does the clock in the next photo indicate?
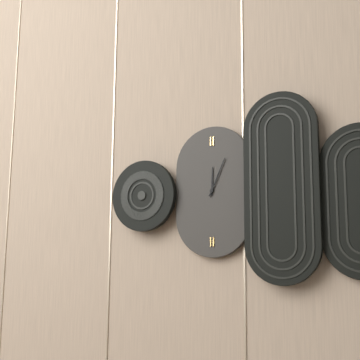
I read 12.04
